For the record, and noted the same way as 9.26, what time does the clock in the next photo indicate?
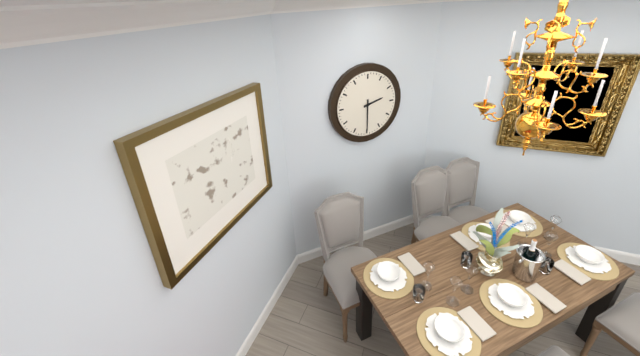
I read 2.30
